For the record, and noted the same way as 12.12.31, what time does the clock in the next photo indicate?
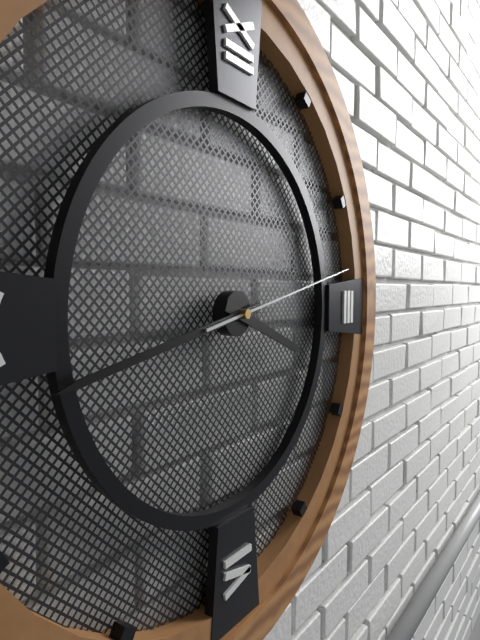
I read 3.43.13
